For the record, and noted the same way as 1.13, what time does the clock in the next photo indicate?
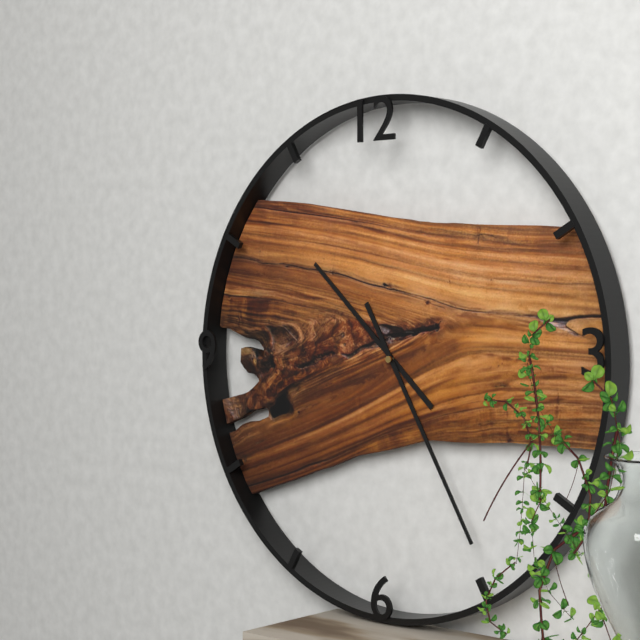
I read 10.25
